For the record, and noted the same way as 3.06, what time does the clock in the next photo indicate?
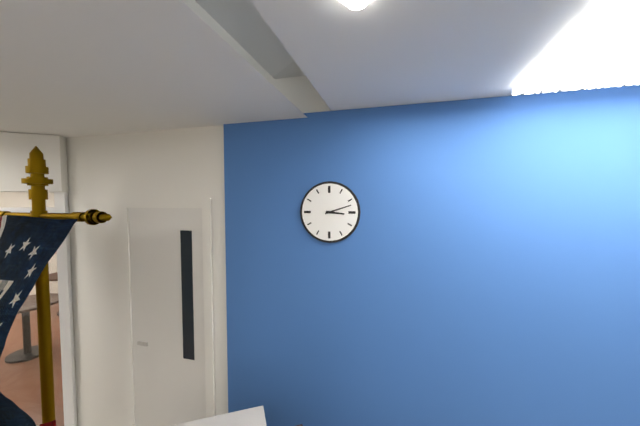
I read 3.12
